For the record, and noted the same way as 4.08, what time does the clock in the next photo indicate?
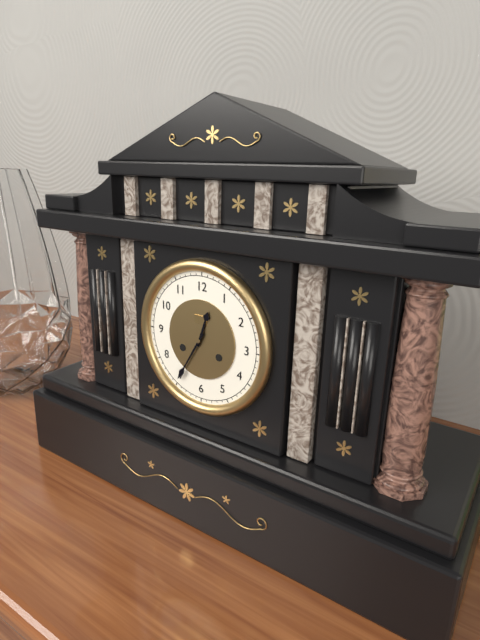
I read 12.35
